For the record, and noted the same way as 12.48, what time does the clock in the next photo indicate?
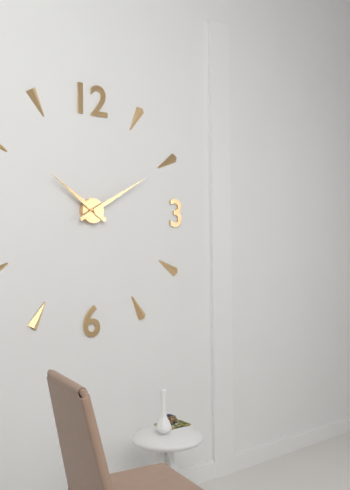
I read 10.10
